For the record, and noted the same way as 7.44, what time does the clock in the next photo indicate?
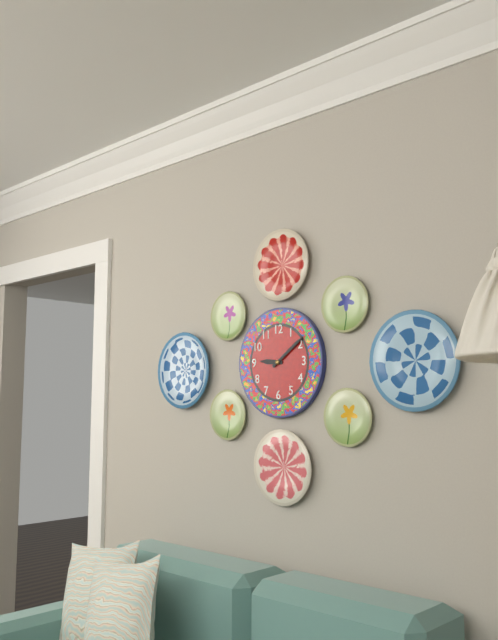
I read 9.09
